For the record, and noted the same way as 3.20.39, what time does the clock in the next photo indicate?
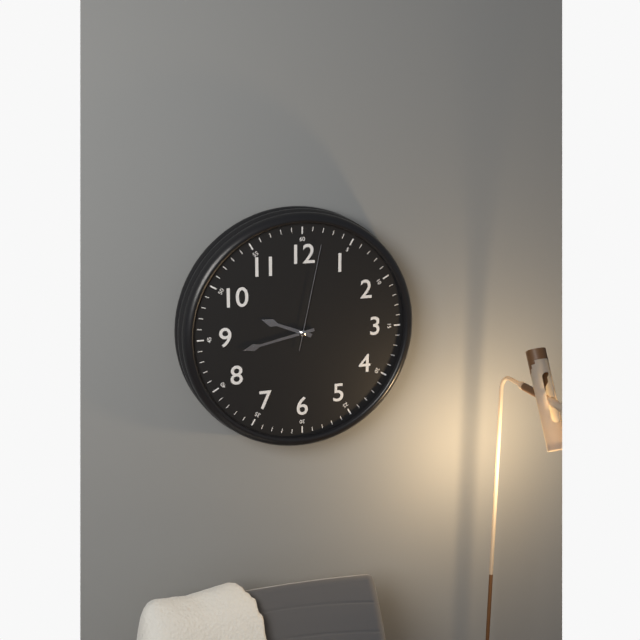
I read 9.43.02
